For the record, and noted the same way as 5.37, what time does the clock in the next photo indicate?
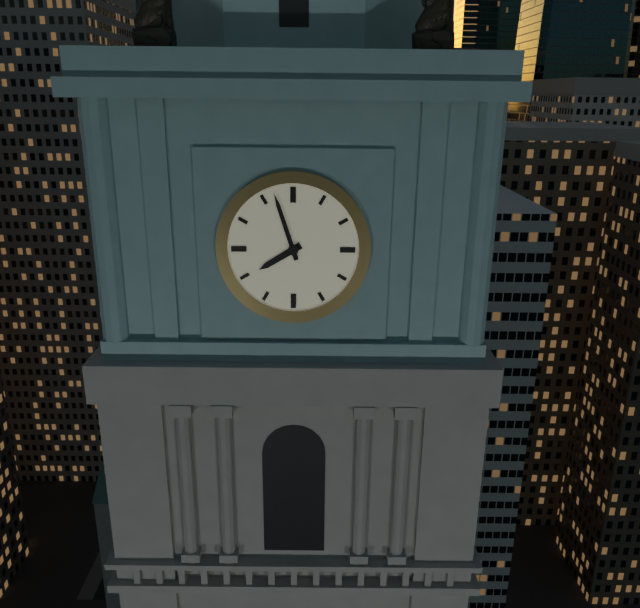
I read 7.57
